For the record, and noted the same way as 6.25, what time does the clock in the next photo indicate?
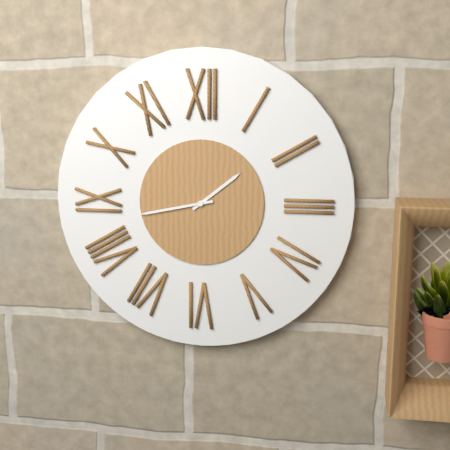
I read 1.43
